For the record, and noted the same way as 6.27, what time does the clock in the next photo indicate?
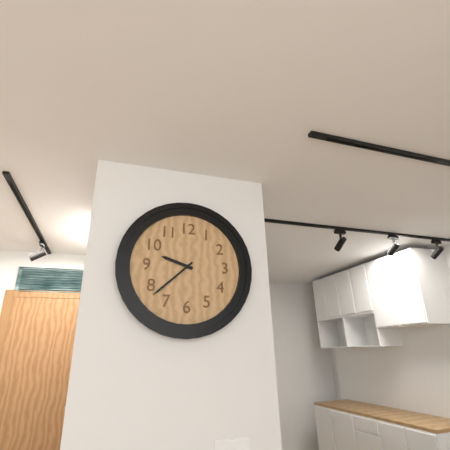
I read 9.38
